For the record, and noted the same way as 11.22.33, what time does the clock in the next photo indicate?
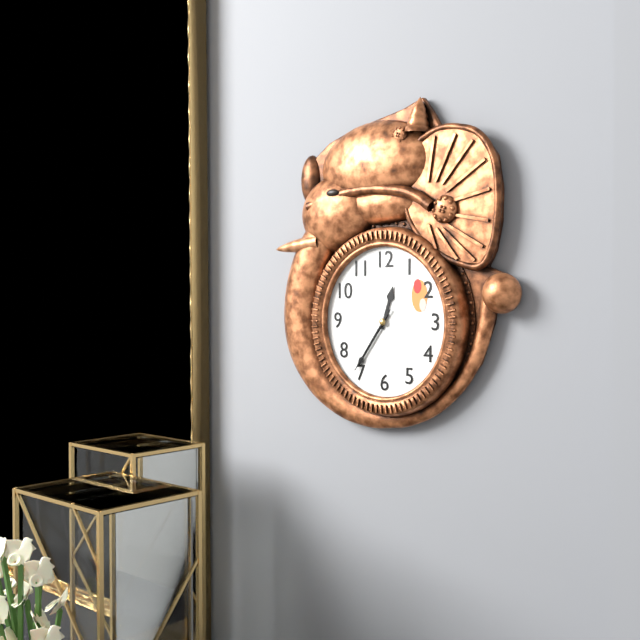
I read 12.36.36
